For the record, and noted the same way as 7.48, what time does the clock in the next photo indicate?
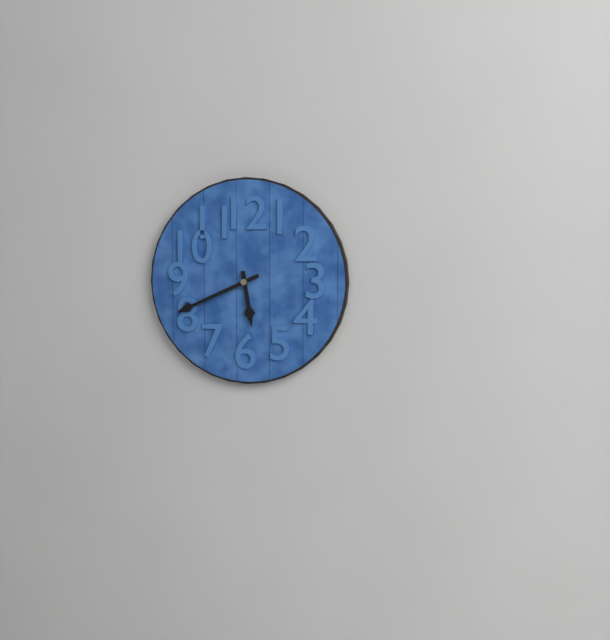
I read 5.41
